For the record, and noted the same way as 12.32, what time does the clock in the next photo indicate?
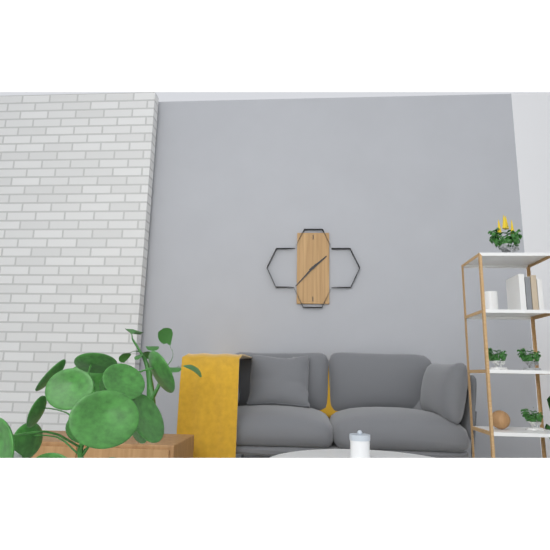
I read 1.37
